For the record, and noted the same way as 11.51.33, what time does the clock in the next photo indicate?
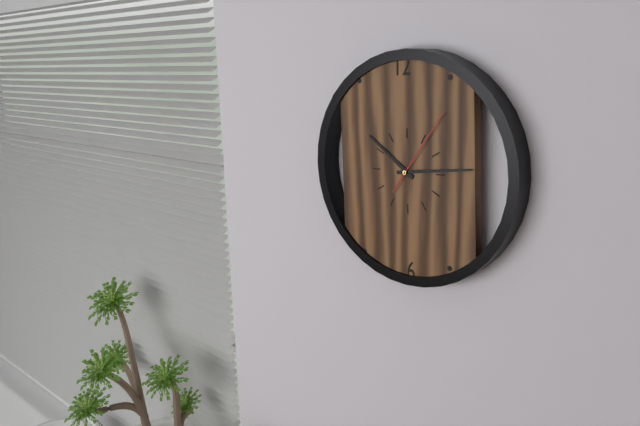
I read 10.14.06
